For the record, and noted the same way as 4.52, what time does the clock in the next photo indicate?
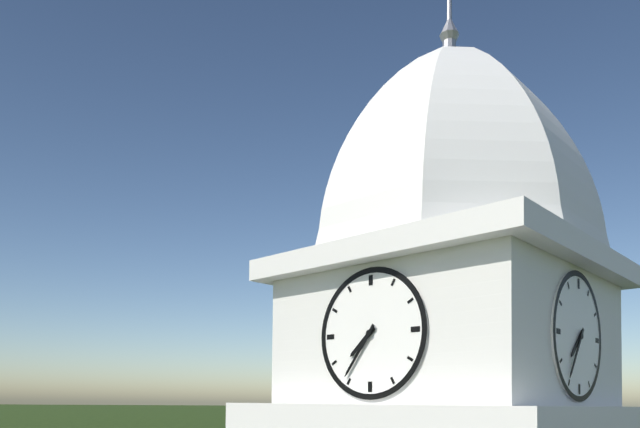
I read 7.36
